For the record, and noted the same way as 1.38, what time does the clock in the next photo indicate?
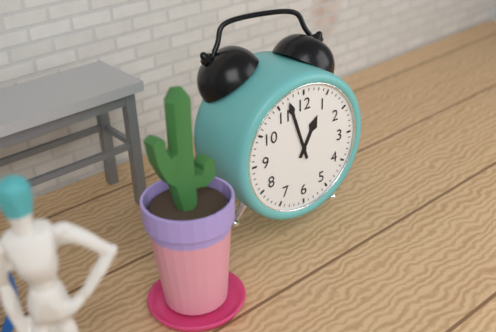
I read 12.57
